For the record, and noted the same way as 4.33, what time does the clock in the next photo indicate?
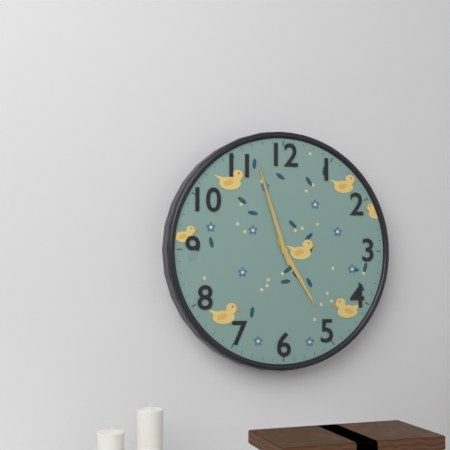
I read 4.57
